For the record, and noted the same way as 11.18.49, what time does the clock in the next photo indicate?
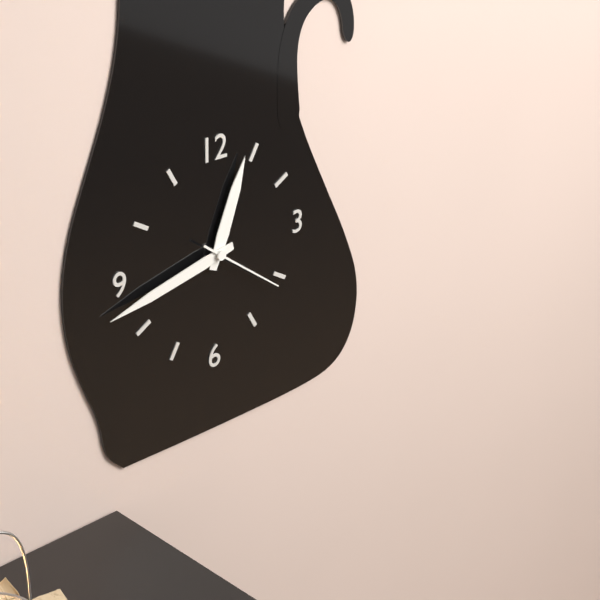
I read 12.43.21
